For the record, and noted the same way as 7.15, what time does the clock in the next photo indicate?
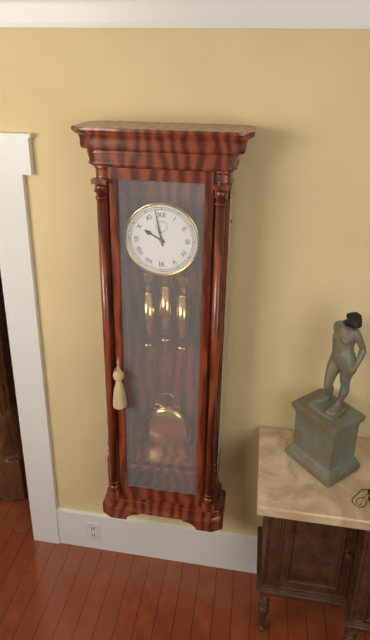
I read 9.58
